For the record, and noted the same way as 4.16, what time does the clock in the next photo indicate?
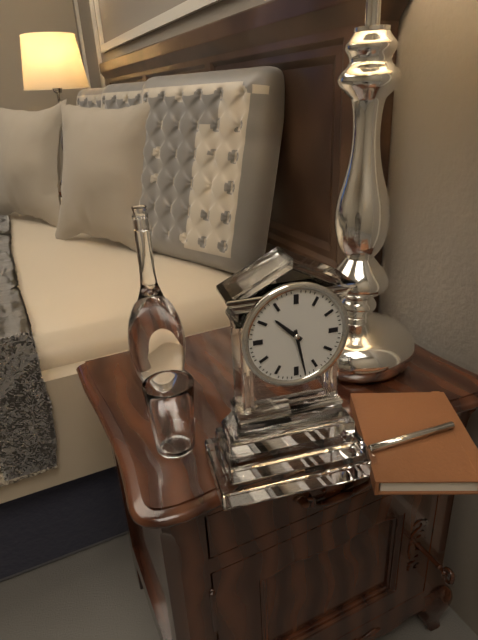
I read 10.28
